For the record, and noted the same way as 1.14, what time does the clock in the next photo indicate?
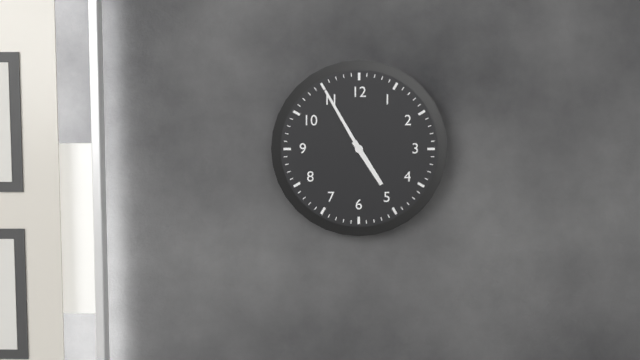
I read 4.55
